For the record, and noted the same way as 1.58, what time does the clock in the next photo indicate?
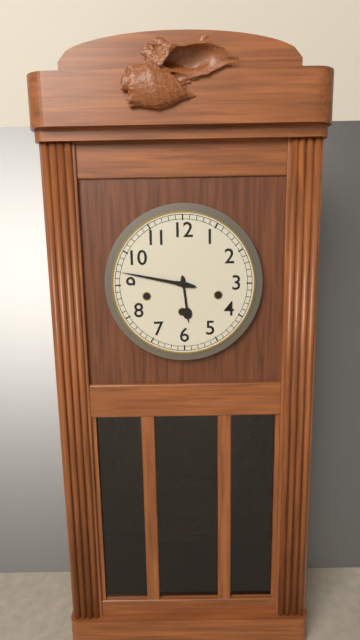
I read 5.47
